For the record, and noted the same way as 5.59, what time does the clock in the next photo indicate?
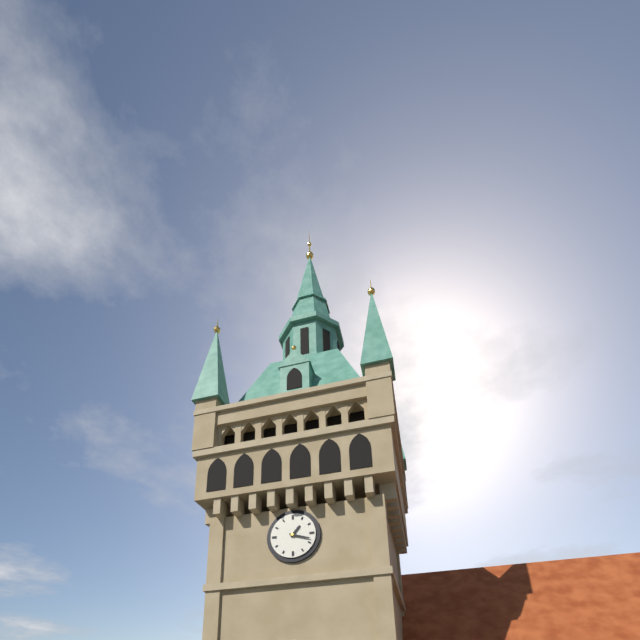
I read 1.18
